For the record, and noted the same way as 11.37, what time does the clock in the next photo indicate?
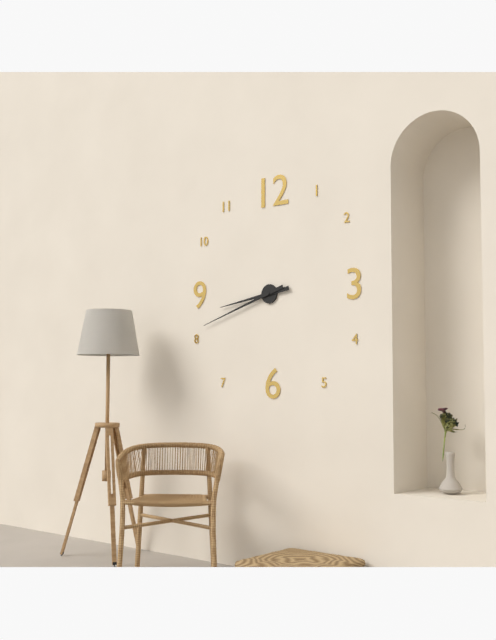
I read 8.42
